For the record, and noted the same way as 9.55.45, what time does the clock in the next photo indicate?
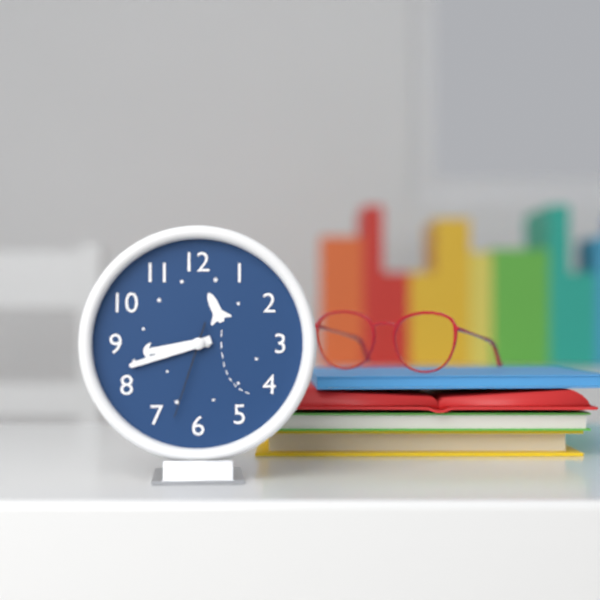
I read 8.42.33
